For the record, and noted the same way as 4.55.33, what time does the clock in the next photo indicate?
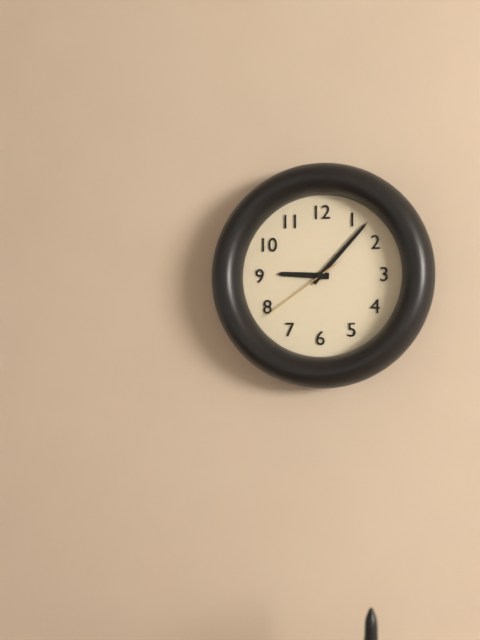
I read 9.07.39
